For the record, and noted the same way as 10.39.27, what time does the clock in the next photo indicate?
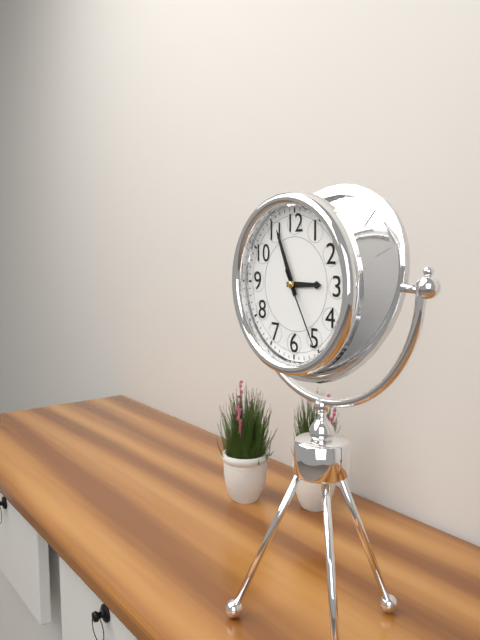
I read 2.56.25
